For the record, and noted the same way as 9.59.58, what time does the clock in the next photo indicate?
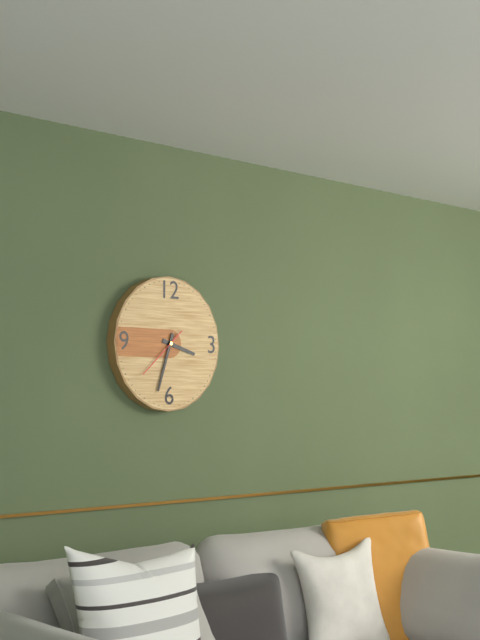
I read 3.33.38
